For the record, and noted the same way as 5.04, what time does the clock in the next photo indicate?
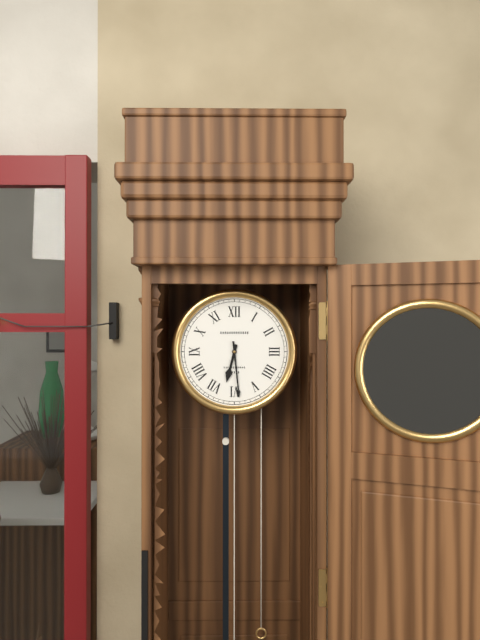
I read 6.29
